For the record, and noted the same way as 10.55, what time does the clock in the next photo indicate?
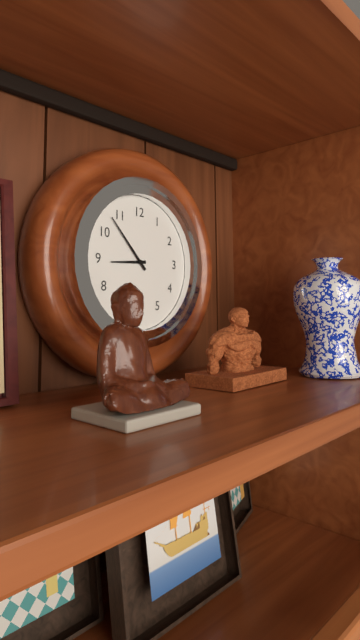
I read 8.53
